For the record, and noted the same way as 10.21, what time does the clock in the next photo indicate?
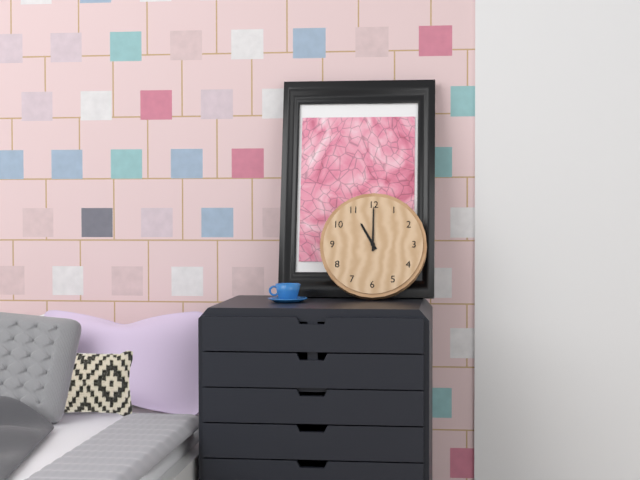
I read 11.00
